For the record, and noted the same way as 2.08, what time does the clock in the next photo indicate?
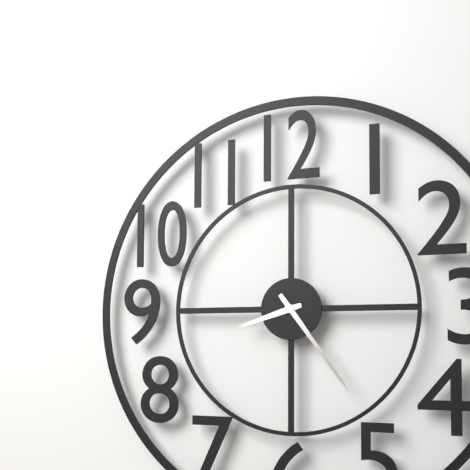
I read 8.24
